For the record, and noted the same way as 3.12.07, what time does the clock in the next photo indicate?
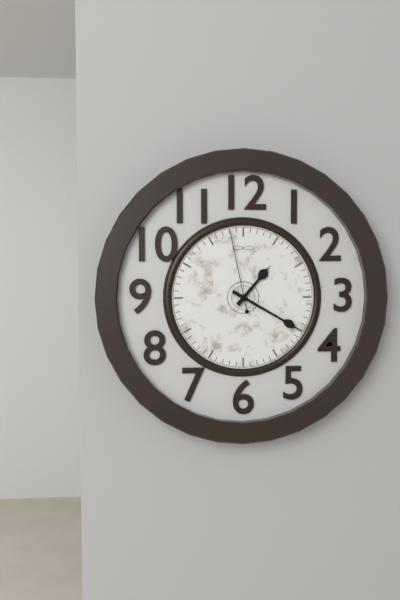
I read 1.20.58
